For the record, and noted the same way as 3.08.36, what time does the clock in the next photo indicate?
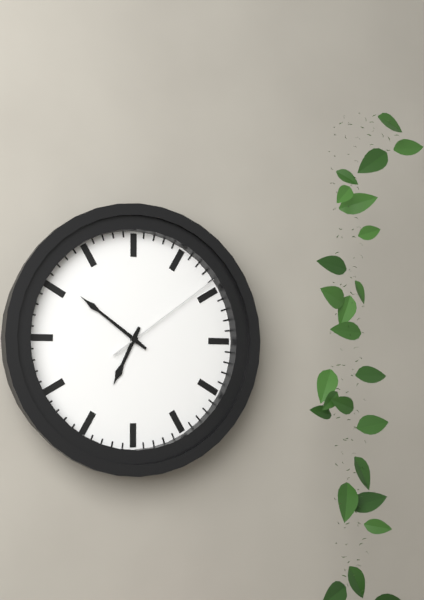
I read 6.51.09
